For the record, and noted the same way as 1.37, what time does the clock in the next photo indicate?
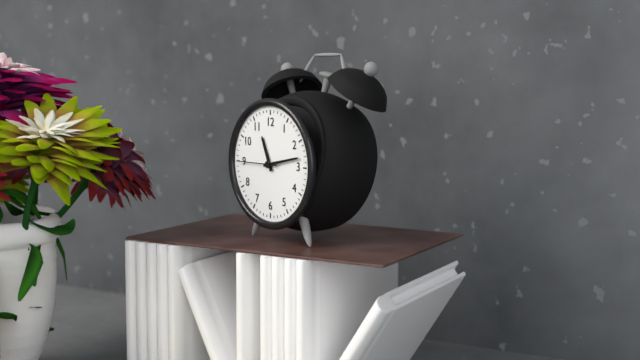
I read 11.13
